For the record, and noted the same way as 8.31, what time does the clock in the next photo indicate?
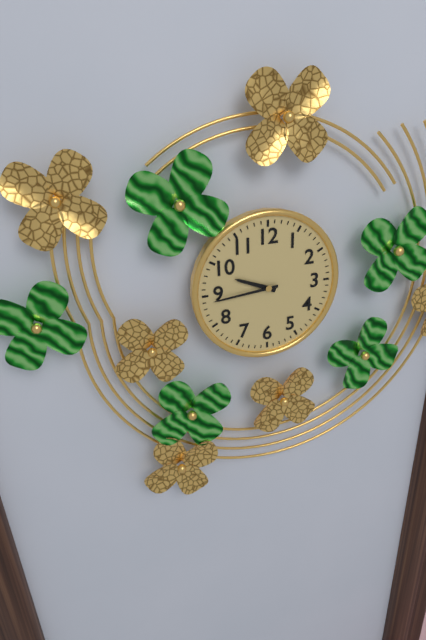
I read 9.44
